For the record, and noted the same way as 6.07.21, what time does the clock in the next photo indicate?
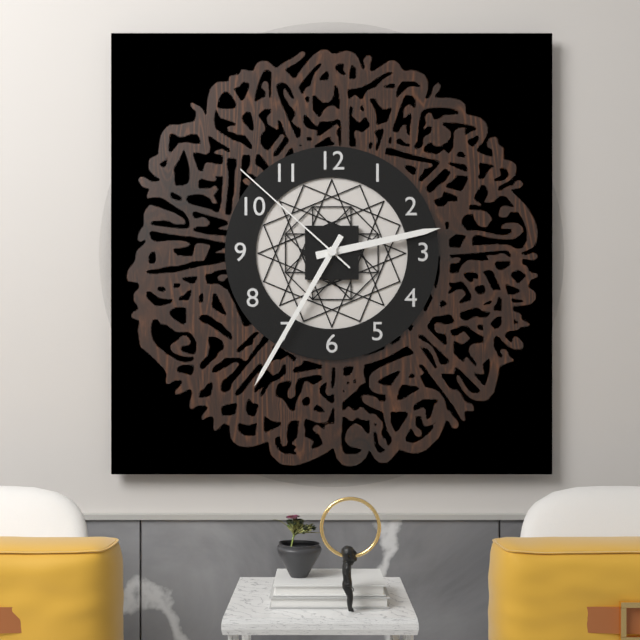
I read 2.35.52
